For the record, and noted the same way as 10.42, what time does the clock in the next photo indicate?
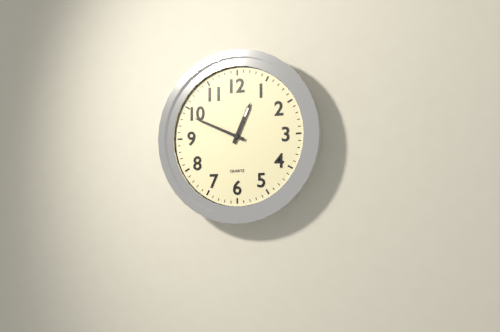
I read 12.49
